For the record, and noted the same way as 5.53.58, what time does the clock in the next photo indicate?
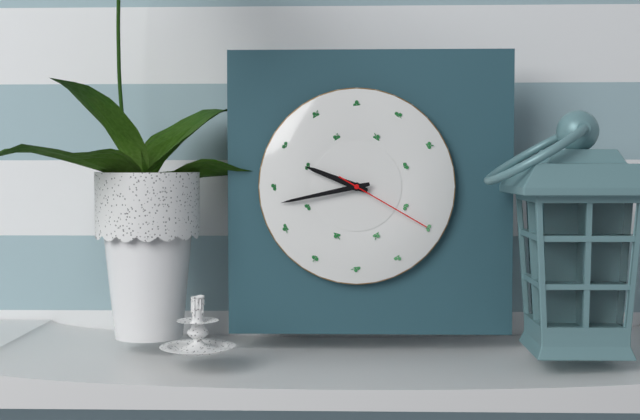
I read 9.43.20
